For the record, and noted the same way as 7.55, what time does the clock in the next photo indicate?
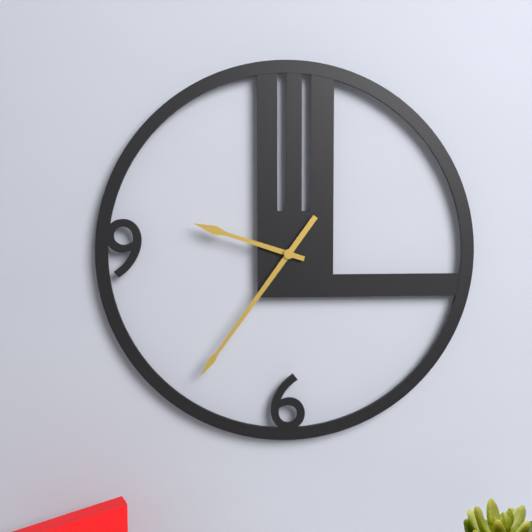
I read 9.36
